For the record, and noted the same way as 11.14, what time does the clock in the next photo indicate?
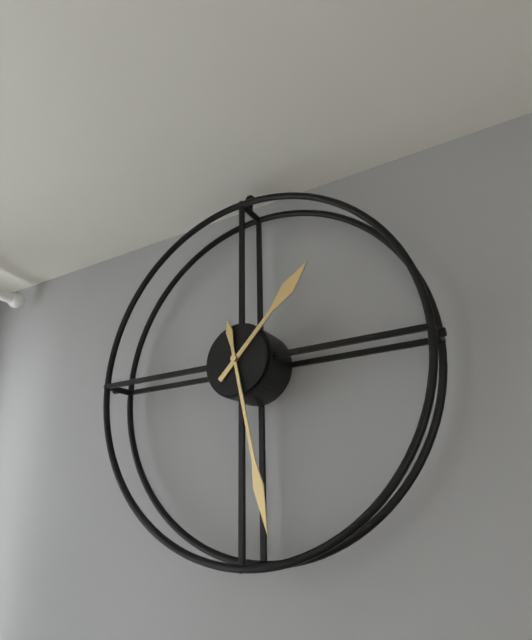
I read 1.28
